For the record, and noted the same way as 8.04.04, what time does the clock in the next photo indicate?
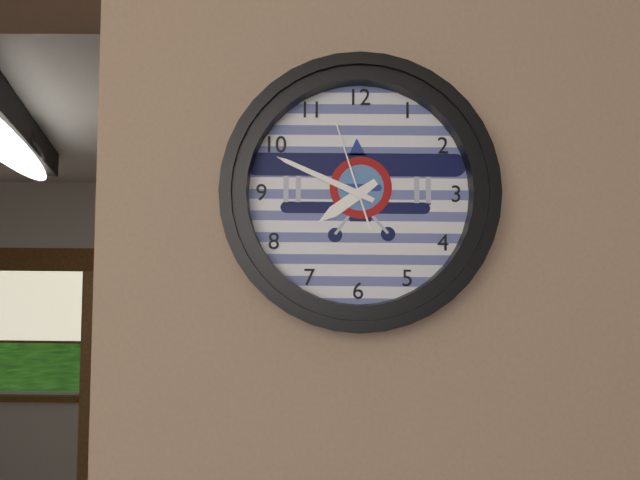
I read 7.49.57
